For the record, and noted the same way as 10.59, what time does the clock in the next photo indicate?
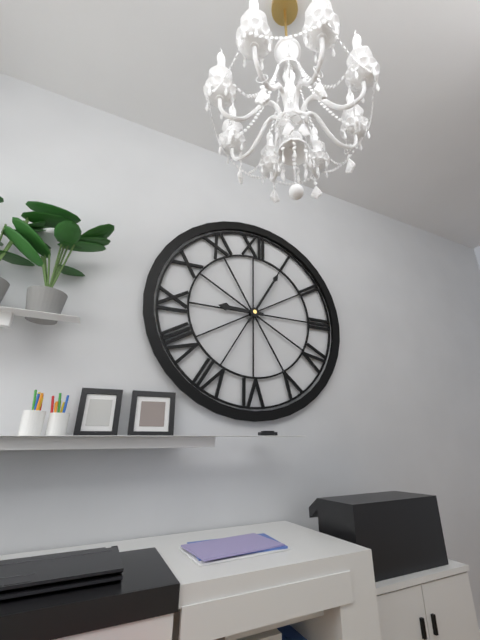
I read 9.05
